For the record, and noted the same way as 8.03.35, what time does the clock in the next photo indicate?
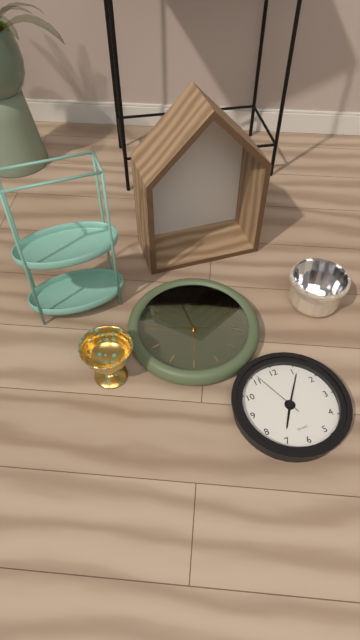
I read 7.06.56
